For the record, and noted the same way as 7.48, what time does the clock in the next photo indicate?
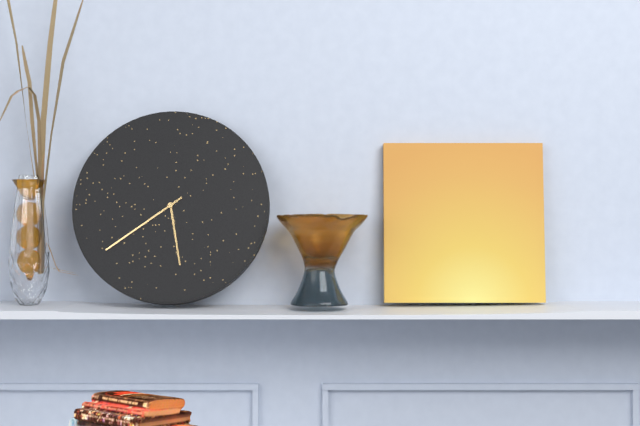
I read 5.39
